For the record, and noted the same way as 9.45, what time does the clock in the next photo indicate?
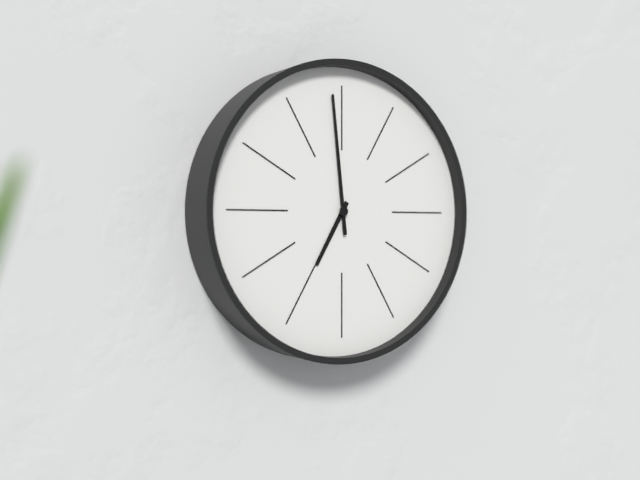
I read 6.59
